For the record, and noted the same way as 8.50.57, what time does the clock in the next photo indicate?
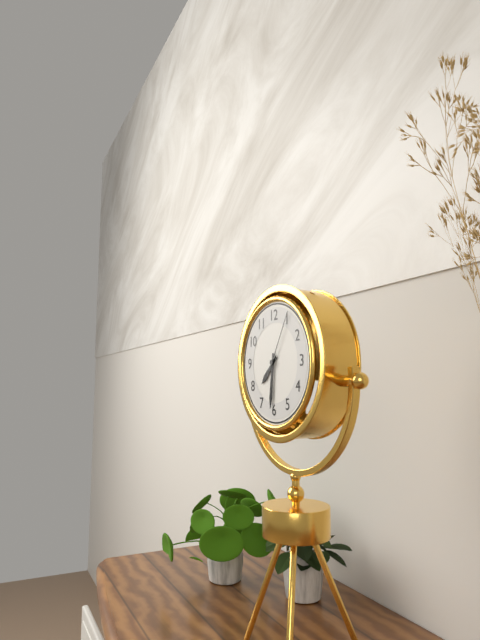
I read 7.31.05
